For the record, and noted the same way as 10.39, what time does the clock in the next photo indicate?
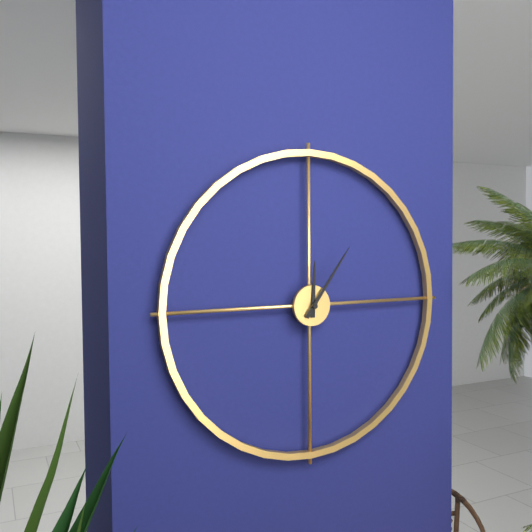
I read 12.06
